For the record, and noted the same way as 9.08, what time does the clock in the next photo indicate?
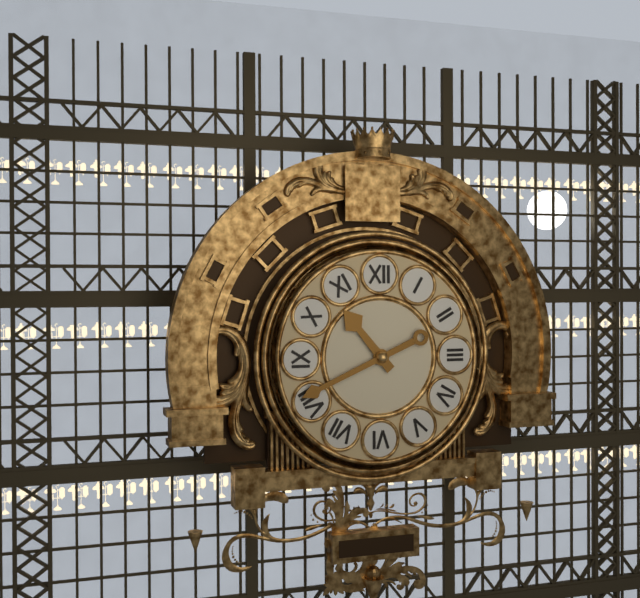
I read 10.41
